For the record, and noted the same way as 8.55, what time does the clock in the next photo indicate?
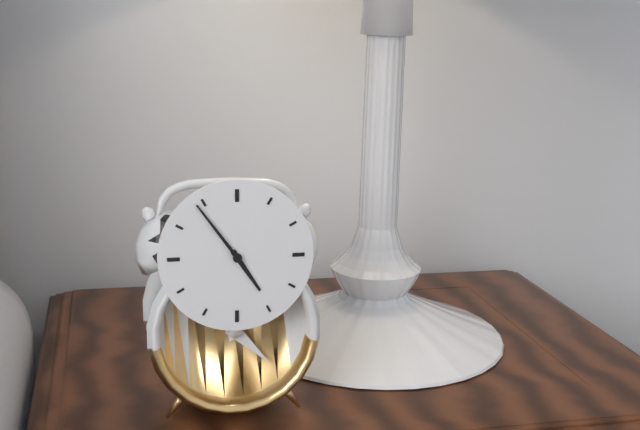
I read 4.54
